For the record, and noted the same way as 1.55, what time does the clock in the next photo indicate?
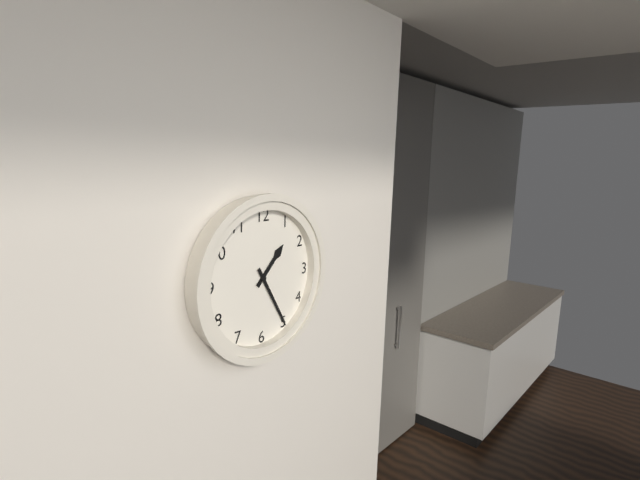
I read 1.25
